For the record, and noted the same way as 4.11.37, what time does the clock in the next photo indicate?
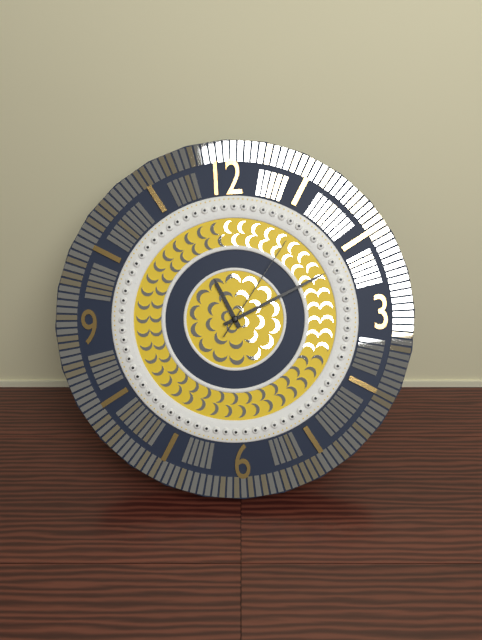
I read 11.11.06
